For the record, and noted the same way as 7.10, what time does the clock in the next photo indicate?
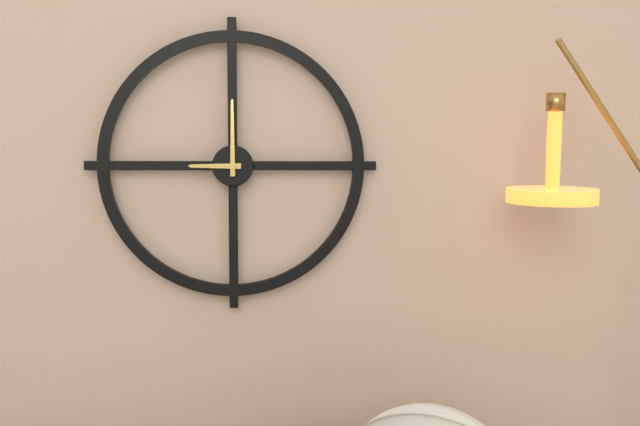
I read 9.00
